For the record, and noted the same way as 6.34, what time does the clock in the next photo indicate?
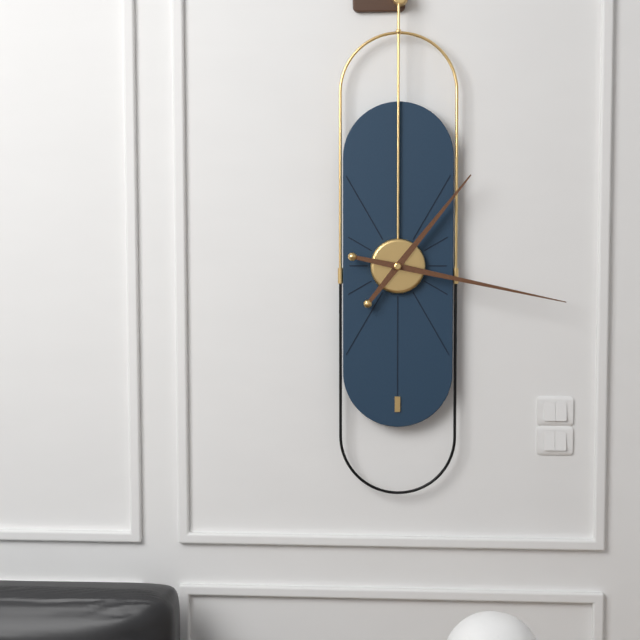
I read 1.17
